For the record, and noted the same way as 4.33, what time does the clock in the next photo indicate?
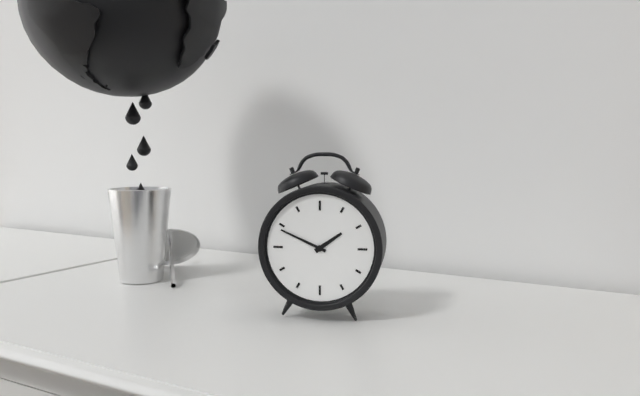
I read 1.49
